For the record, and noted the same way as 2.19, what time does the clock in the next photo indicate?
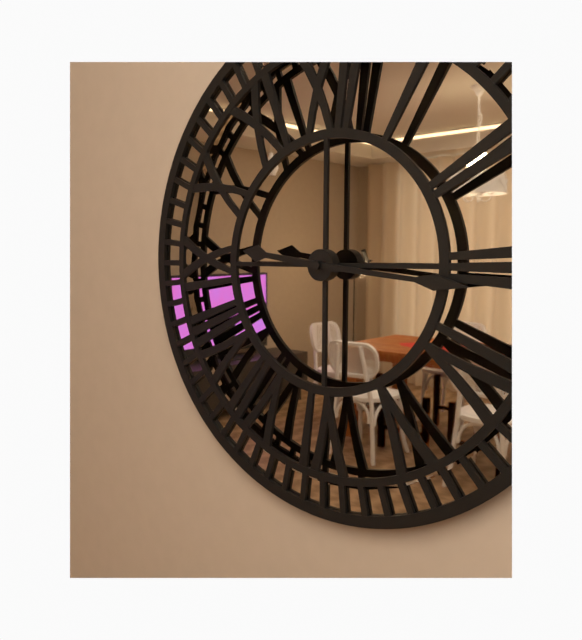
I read 9.16
